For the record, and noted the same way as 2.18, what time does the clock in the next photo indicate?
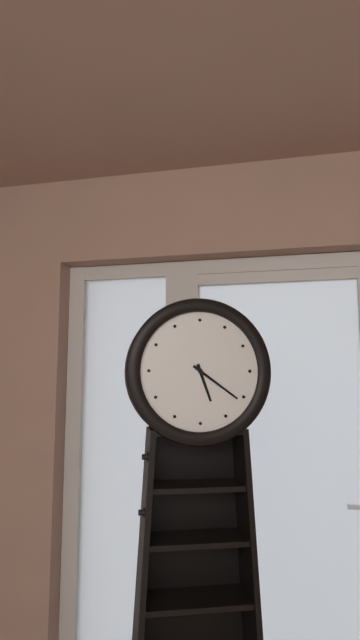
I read 5.21
